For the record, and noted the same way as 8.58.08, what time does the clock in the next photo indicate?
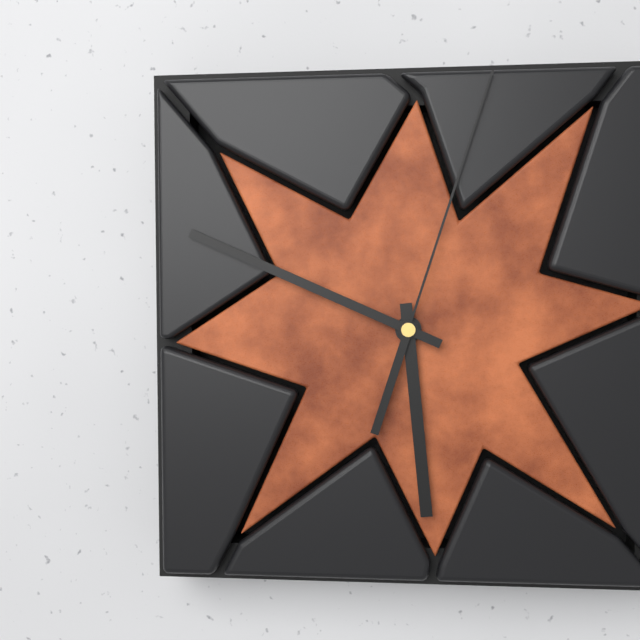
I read 5.49.03
